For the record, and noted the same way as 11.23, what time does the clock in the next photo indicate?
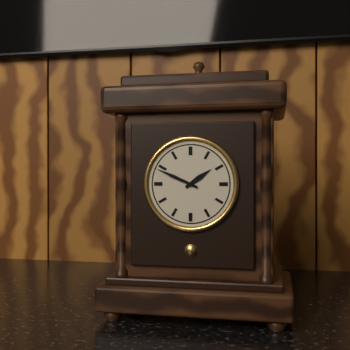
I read 1.49
